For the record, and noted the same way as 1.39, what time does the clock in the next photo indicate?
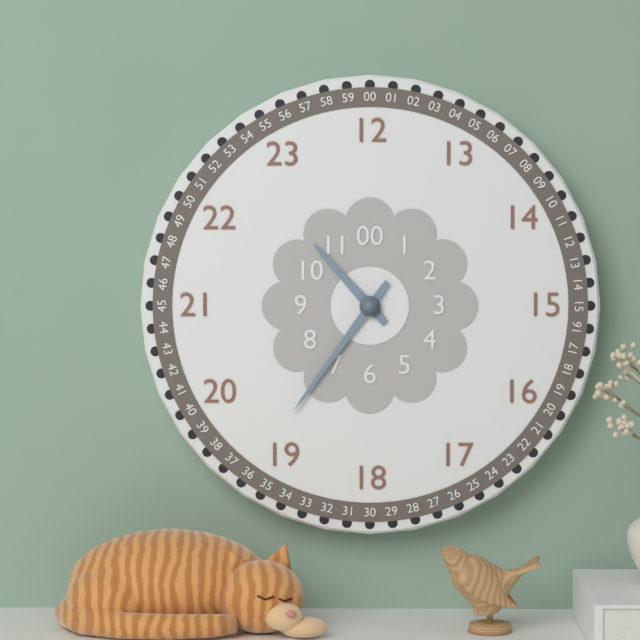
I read 10.36
